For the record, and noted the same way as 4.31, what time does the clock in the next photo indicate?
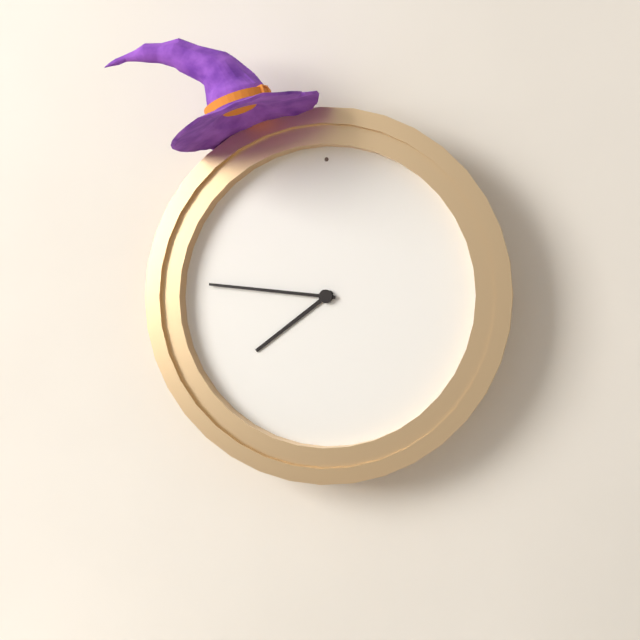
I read 7.46
